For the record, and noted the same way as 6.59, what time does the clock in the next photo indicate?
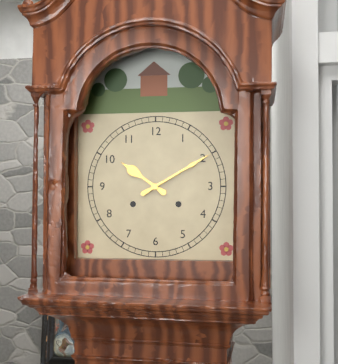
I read 10.10
